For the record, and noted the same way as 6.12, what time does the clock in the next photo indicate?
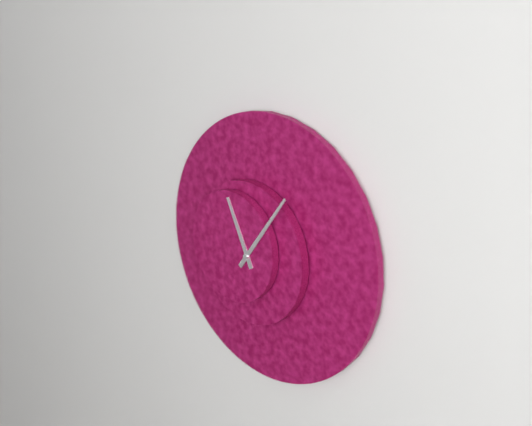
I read 11.06
